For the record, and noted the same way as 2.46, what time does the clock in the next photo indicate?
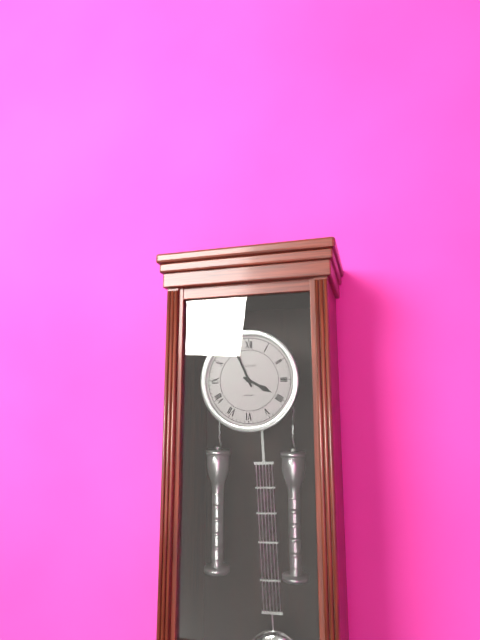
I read 3.56
